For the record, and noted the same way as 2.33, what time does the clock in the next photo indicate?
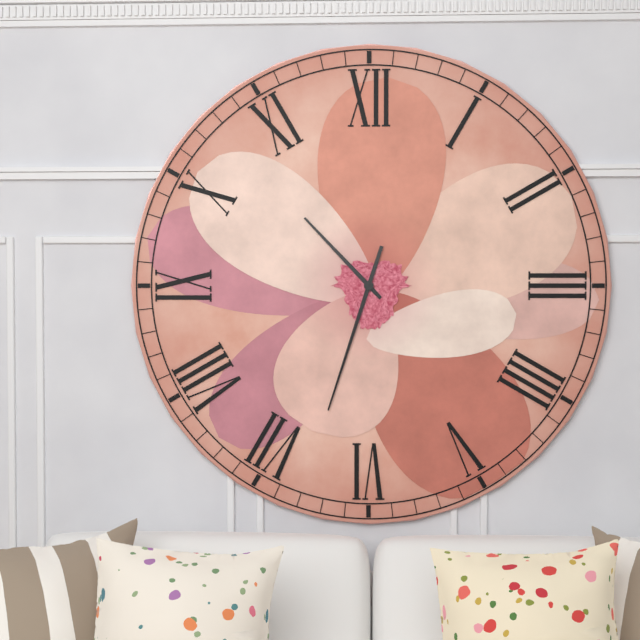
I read 10.33
